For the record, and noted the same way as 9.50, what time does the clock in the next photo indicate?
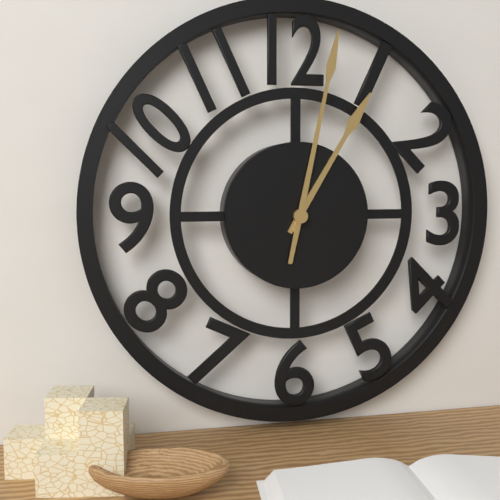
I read 1.02
